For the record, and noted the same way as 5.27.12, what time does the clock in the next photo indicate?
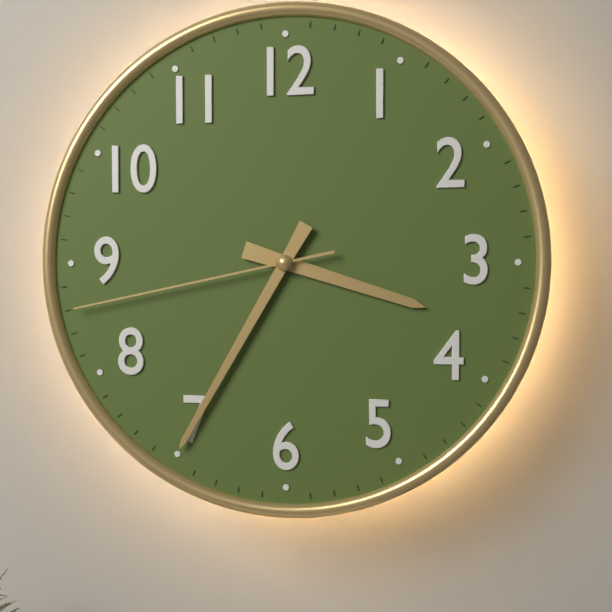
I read 3.35.43
